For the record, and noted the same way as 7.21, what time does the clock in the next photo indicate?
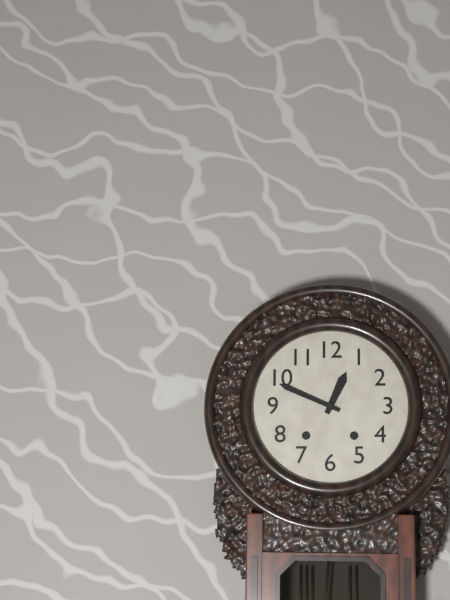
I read 12.49
